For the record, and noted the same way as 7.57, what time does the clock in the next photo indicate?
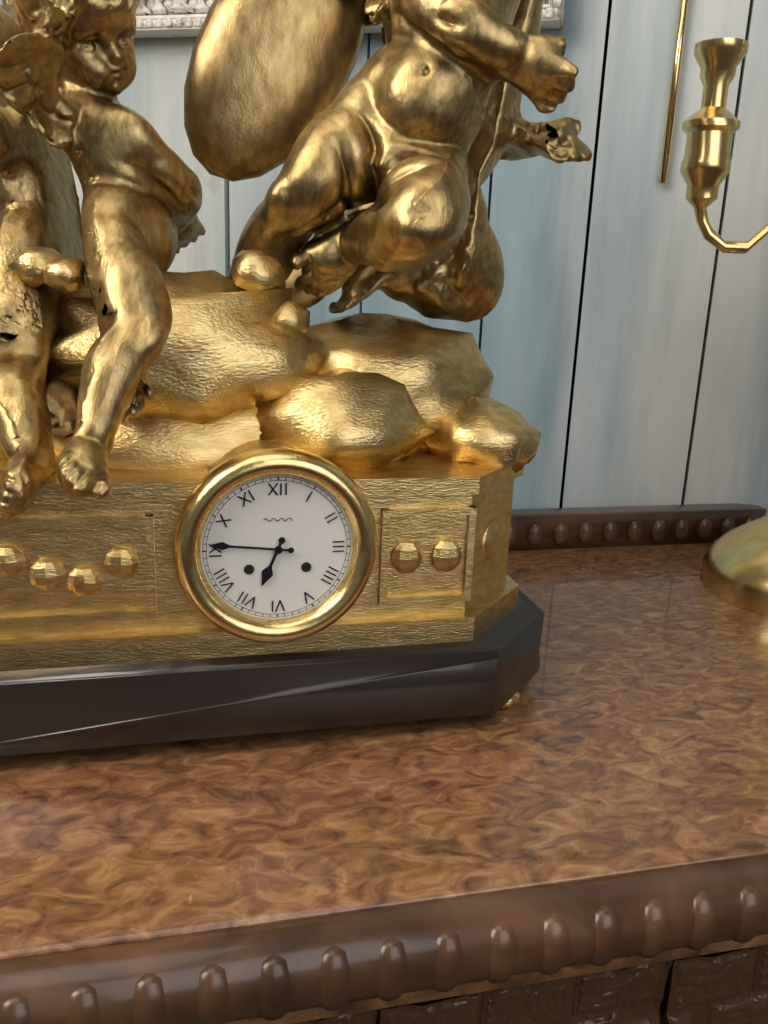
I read 6.46
